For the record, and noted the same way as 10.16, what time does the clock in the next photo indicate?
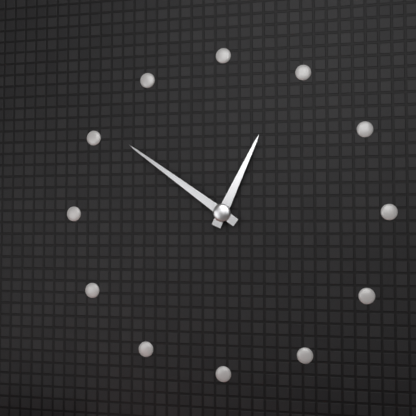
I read 12.51
